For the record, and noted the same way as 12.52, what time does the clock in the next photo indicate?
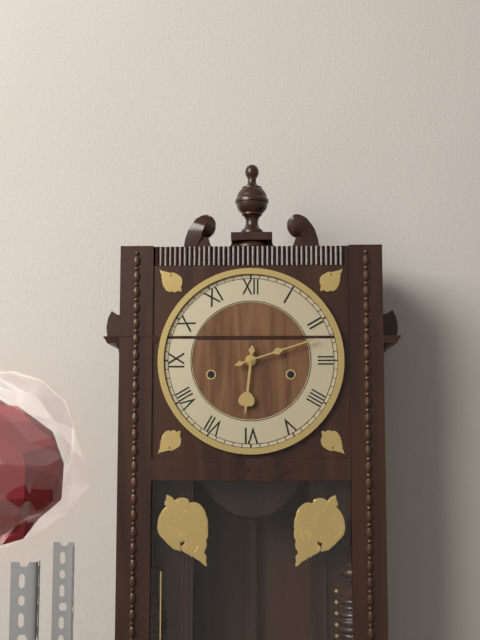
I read 6.12
